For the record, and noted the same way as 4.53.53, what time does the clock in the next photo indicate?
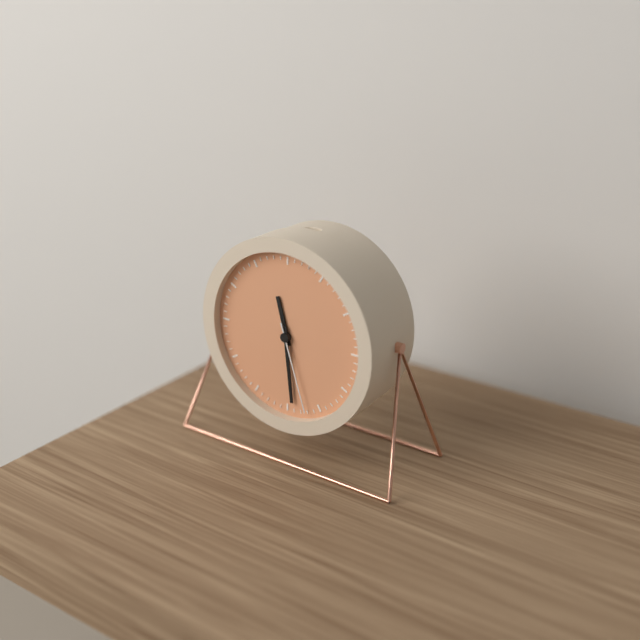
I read 11.29.27
